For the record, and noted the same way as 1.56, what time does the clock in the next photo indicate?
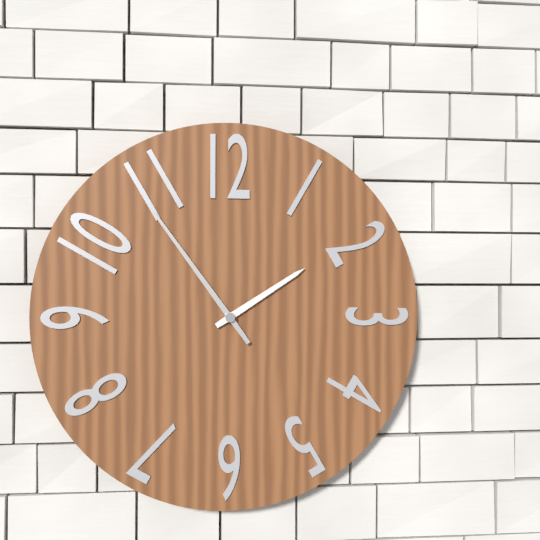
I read 1.54
